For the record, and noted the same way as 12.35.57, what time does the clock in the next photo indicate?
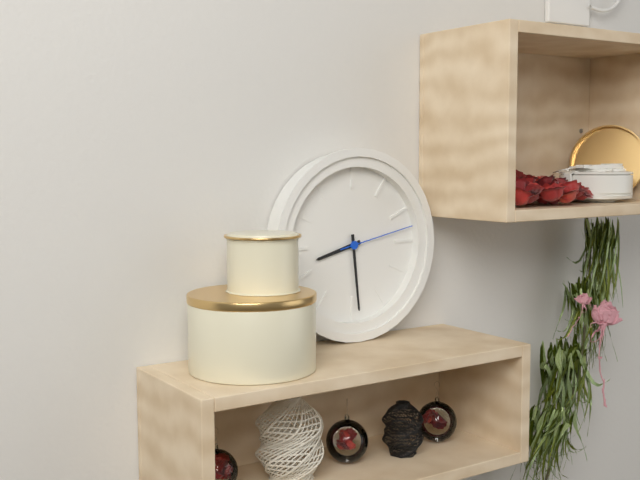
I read 8.29.13
